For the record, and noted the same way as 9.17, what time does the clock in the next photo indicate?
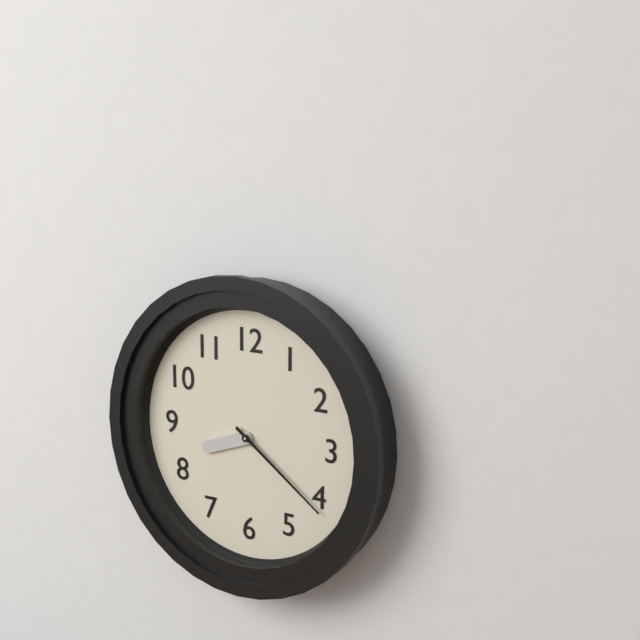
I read 8.21
